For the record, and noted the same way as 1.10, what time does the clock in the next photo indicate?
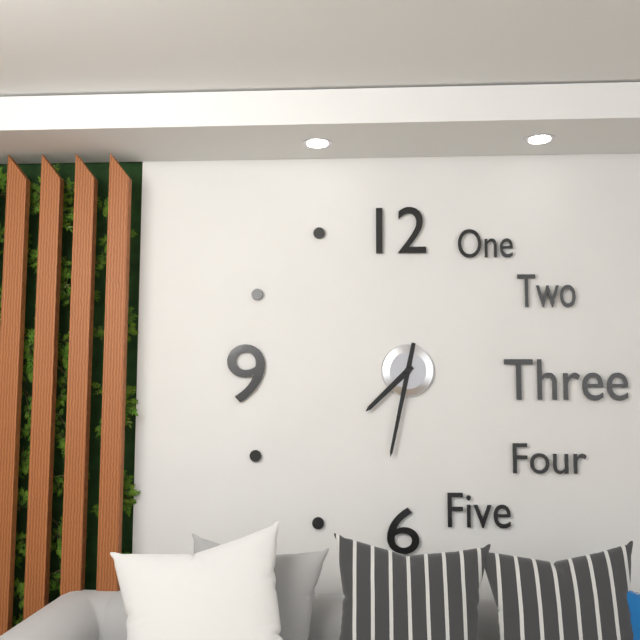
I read 7.32
